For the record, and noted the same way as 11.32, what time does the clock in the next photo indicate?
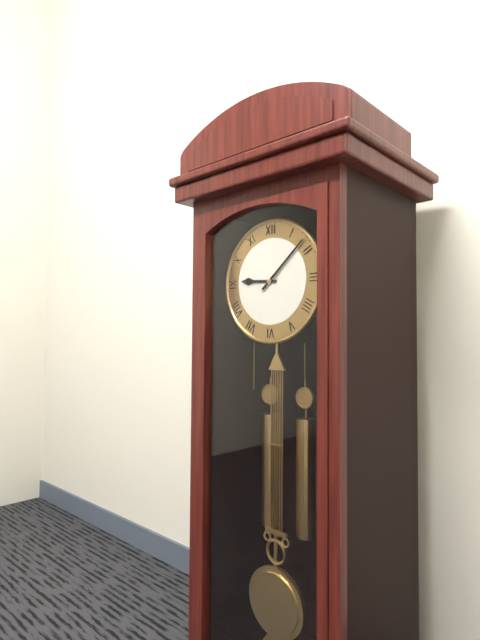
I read 9.08
